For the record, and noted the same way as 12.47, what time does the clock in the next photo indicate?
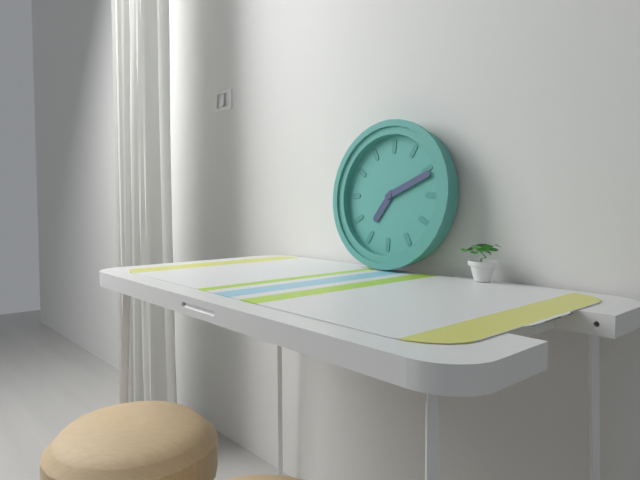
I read 7.11
